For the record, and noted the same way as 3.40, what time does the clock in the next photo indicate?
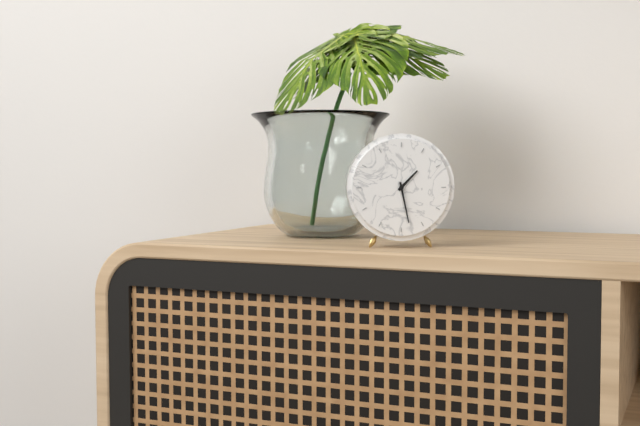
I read 1.28
